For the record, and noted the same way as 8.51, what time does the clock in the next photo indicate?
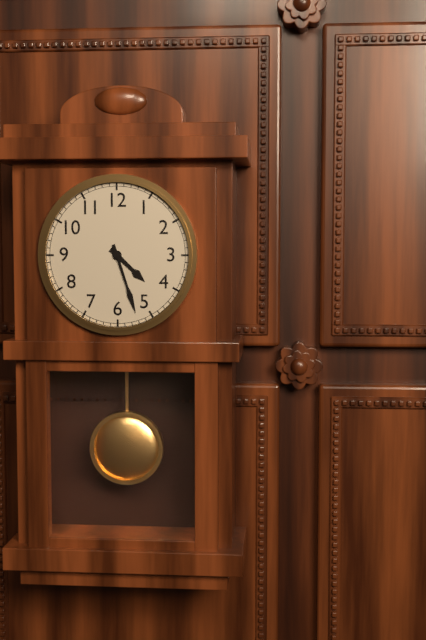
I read 4.27
